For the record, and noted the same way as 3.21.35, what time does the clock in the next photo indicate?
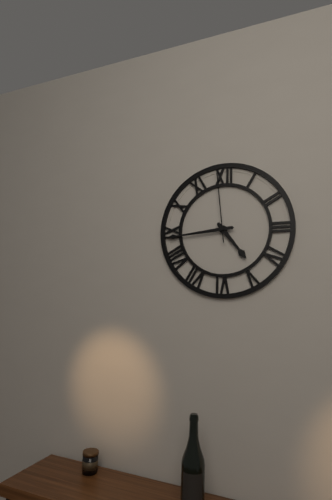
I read 4.44.59
